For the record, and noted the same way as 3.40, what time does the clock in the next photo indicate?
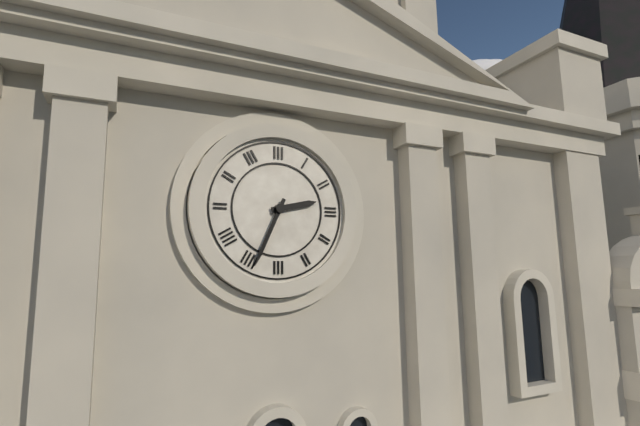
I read 2.34
